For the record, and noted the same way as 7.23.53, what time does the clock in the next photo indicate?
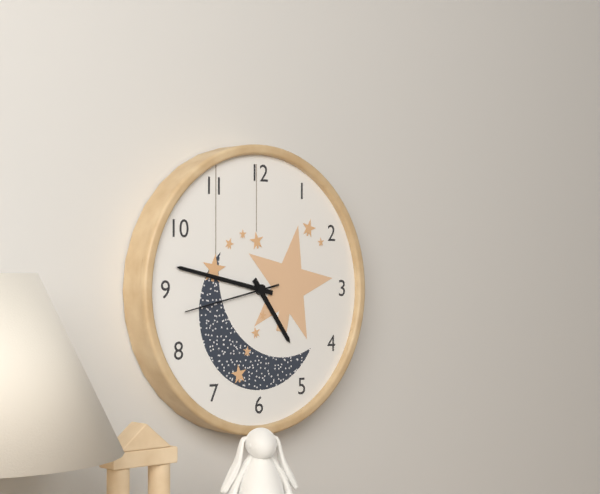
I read 4.47.43
